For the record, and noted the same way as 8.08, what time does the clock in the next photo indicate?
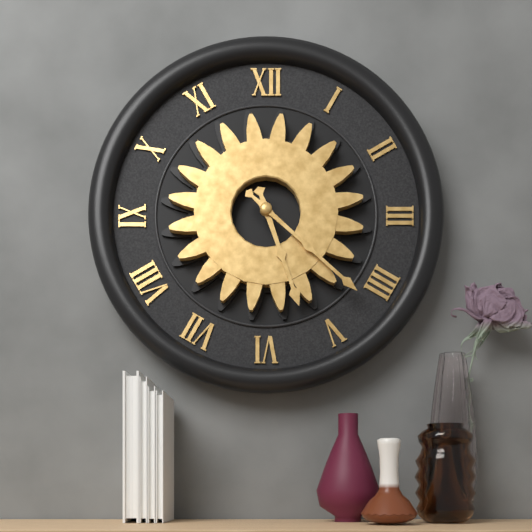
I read 5.22
